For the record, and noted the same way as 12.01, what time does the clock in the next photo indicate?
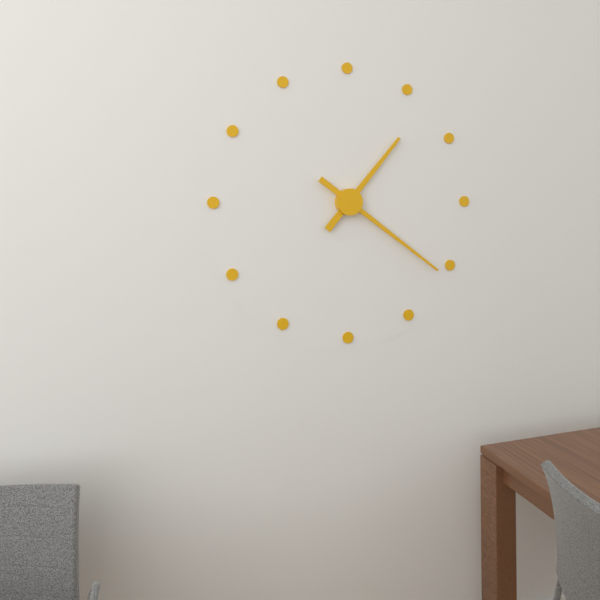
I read 1.21
